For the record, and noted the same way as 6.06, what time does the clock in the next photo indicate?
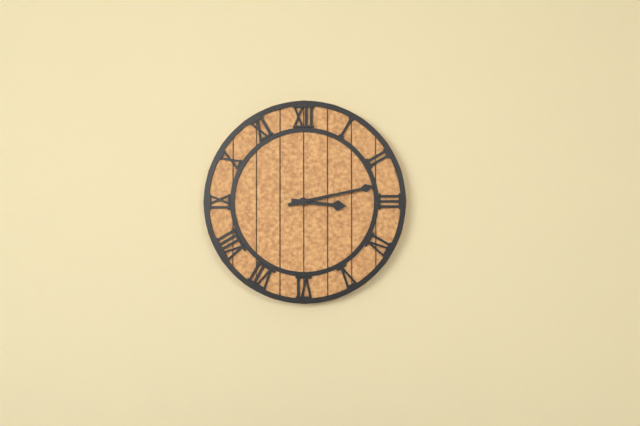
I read 3.13
